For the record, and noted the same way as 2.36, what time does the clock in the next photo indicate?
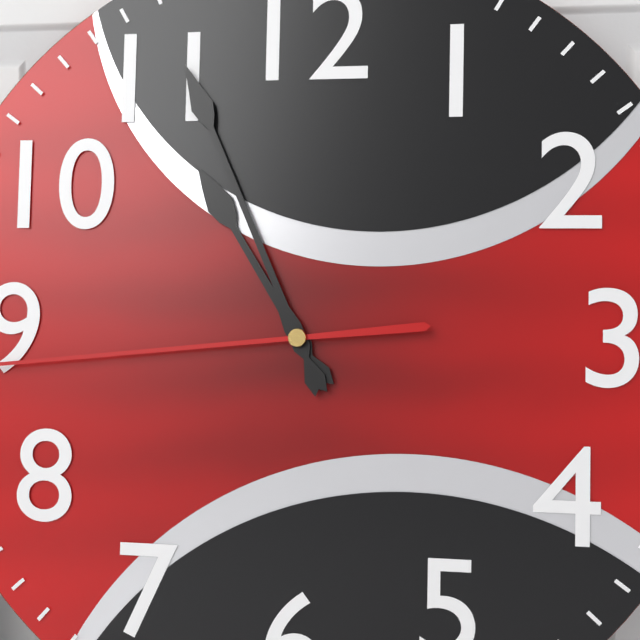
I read 10.56
